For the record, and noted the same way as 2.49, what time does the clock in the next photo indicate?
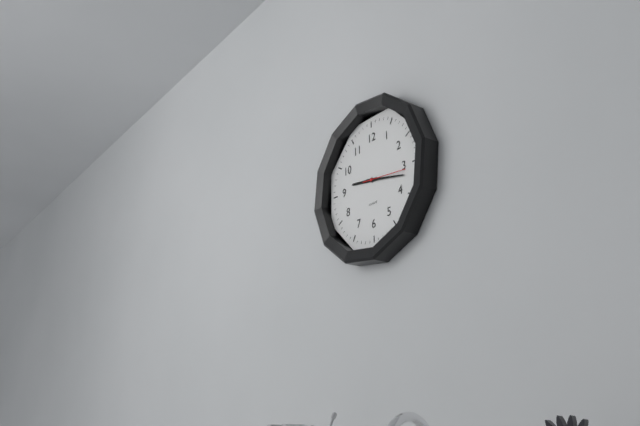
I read 9.17
